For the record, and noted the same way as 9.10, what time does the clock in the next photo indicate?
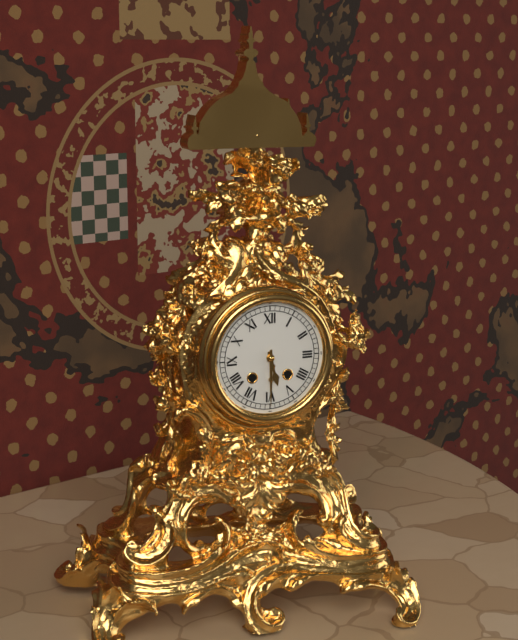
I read 5.30
